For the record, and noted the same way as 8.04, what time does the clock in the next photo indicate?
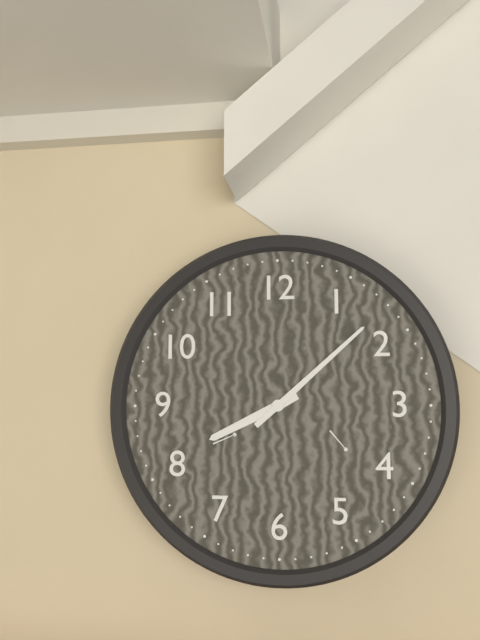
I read 8.08
